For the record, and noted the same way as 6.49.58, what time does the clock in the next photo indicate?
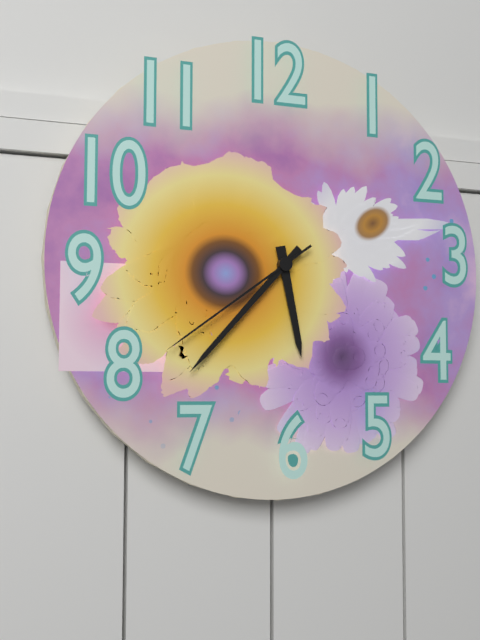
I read 5.37.39
